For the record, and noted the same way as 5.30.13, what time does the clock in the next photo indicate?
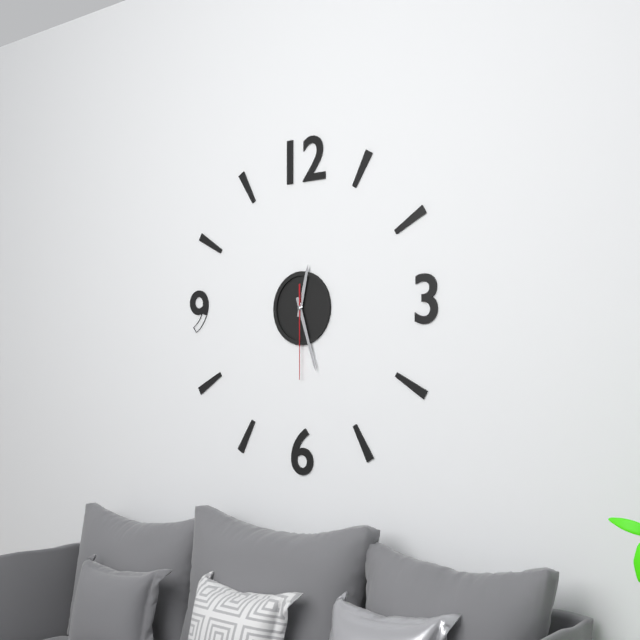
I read 12.27.30
